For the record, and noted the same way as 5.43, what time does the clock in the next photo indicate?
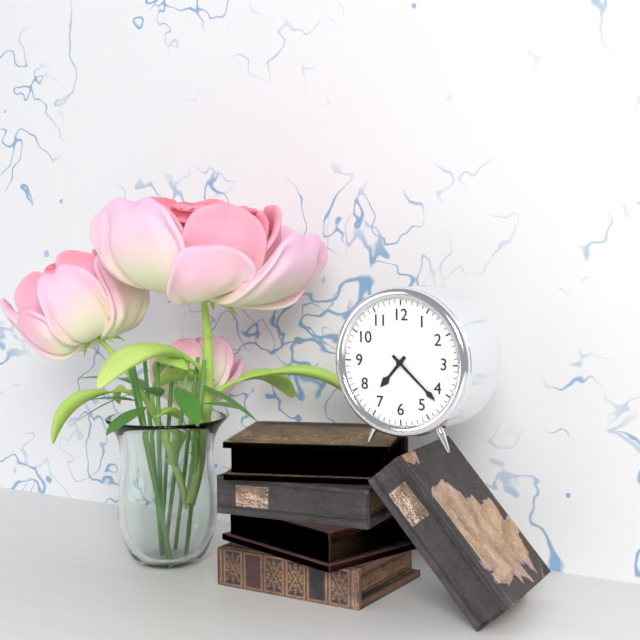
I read 7.22
